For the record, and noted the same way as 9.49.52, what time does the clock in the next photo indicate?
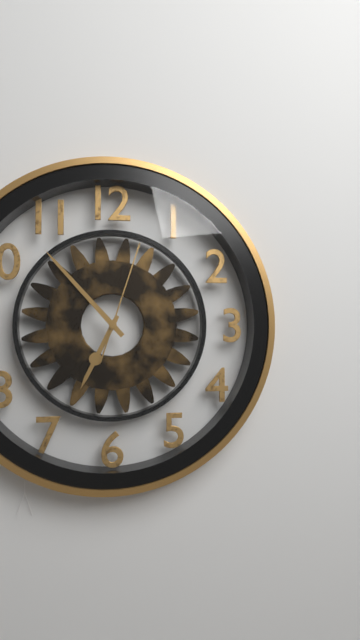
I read 6.53.03
